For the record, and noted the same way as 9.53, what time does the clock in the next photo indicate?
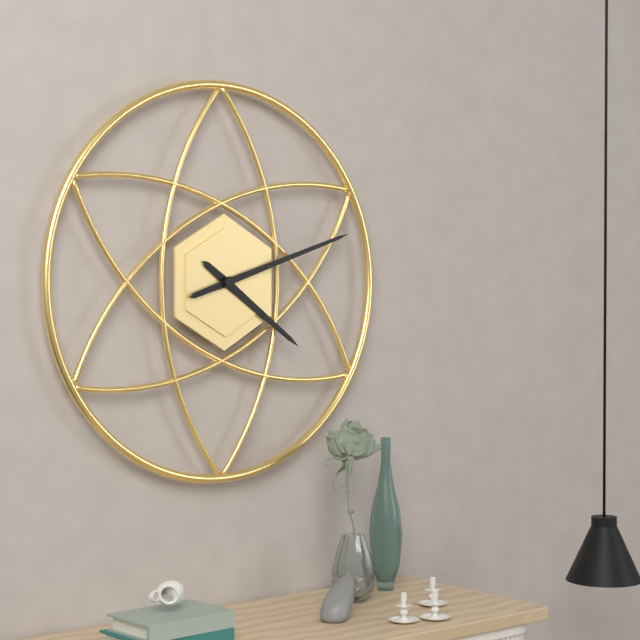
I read 4.12
